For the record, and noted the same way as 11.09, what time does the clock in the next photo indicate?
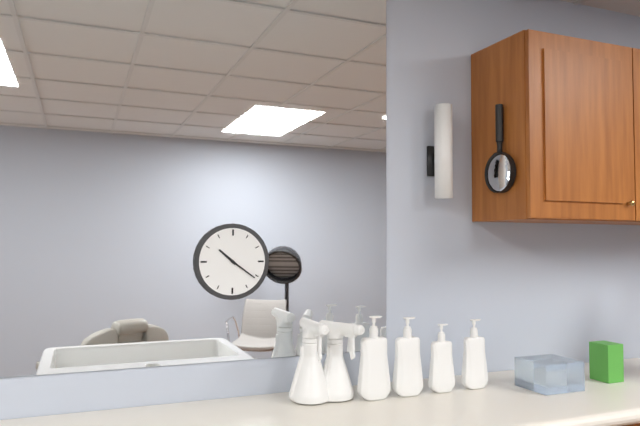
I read 10.21
